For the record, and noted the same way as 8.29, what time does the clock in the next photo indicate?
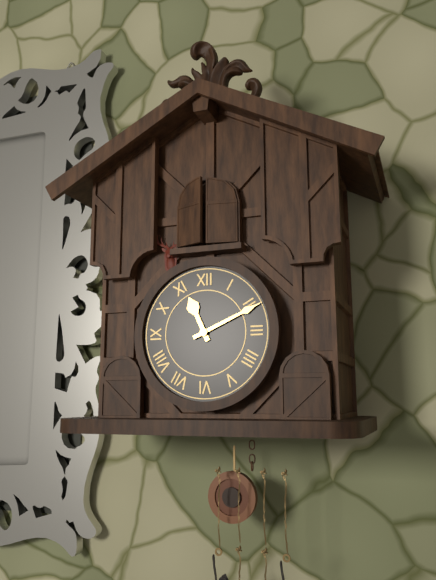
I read 11.11
